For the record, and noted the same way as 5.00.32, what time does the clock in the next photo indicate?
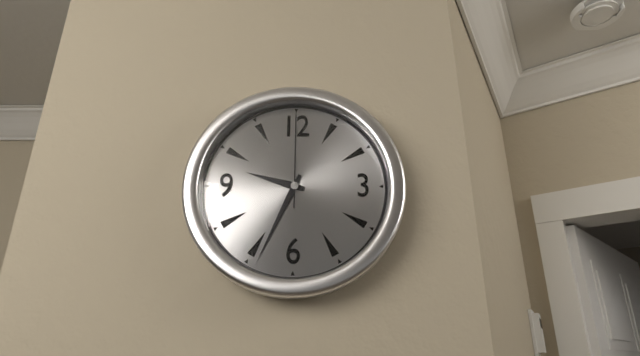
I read 9.34.00
